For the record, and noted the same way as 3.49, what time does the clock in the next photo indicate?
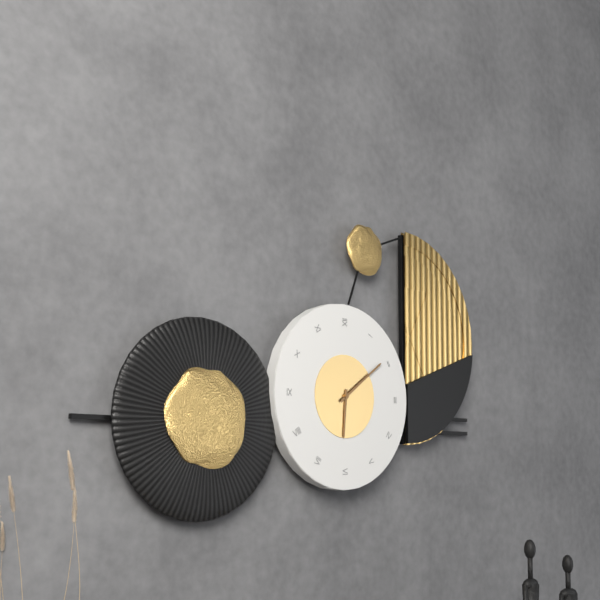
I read 6.09
